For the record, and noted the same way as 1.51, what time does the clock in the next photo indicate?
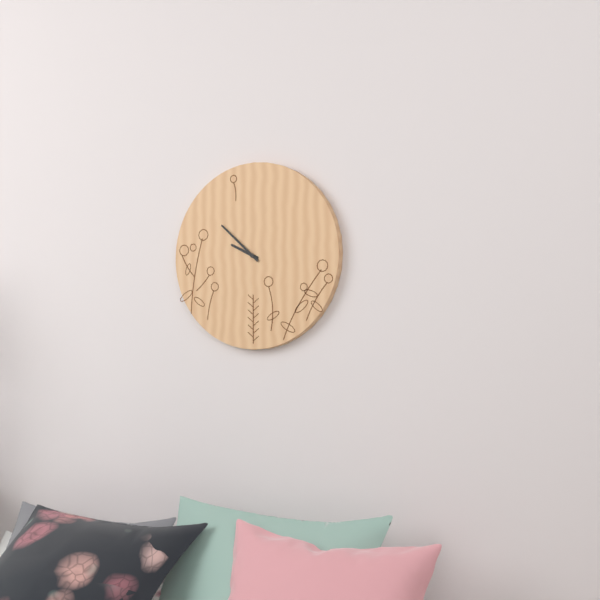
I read 9.52
